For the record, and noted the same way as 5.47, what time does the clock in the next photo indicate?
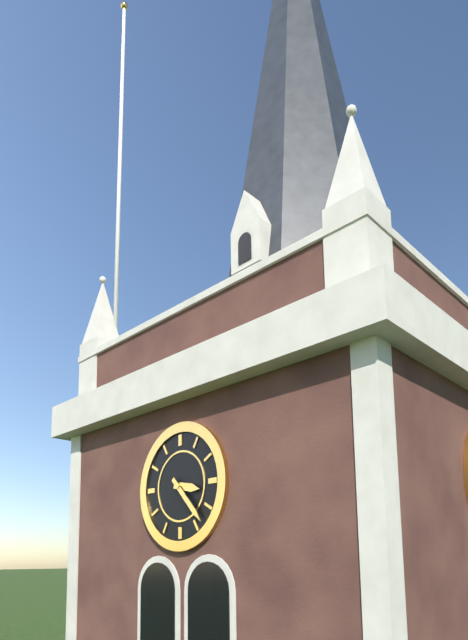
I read 3.23
